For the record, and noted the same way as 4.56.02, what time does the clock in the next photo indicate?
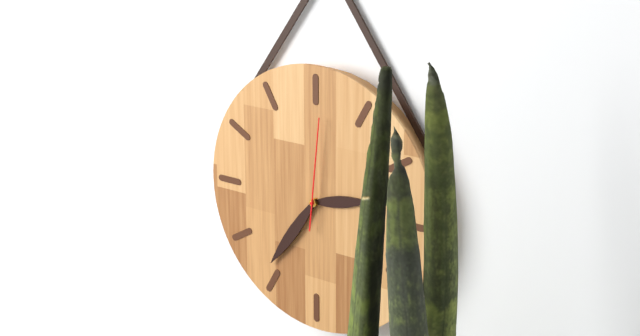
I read 2.36.01
